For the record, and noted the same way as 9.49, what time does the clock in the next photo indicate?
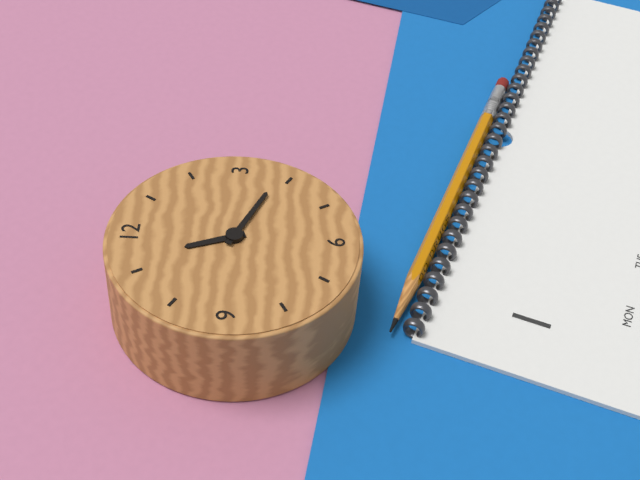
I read 11.19
